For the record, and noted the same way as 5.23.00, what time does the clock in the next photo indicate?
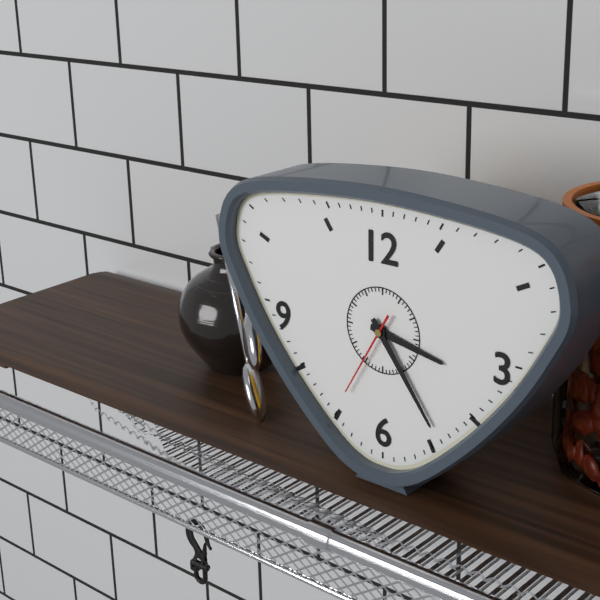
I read 3.24.35
